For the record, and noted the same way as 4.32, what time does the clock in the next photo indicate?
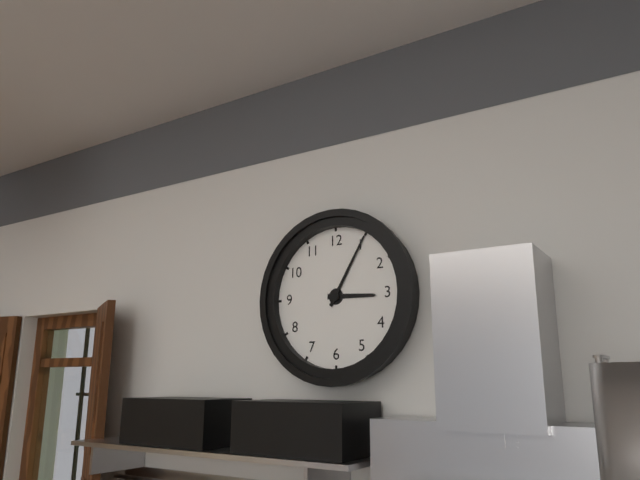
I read 3.05
